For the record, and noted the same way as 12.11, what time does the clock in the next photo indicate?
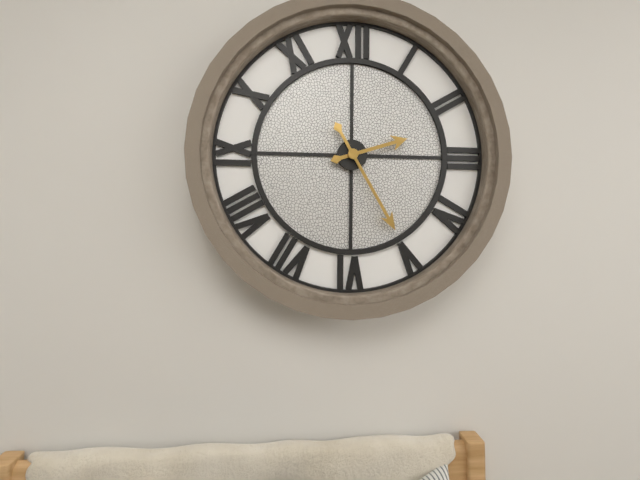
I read 2.25
